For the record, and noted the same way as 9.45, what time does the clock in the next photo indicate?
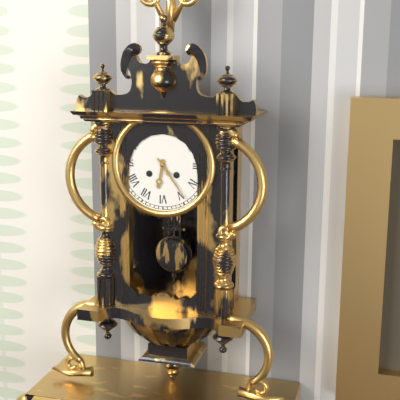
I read 6.24
